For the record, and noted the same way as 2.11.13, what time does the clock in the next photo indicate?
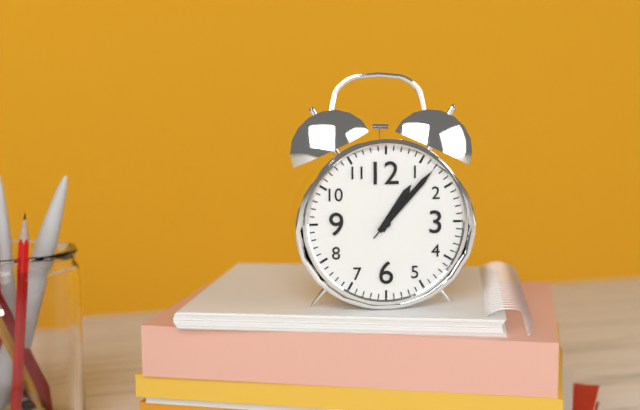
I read 1.07.07
